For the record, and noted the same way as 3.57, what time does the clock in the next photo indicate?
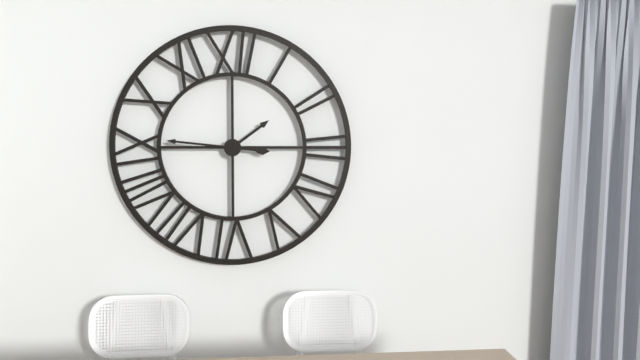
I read 1.46
